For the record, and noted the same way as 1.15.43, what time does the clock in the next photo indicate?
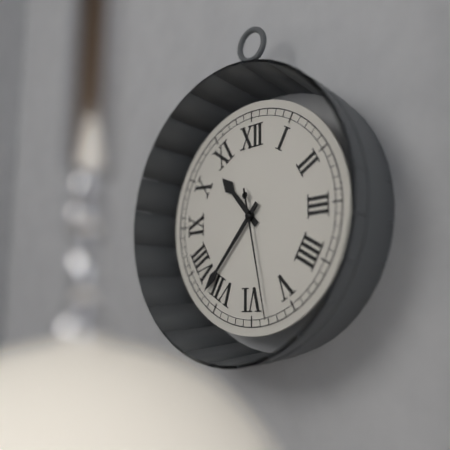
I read 10.37.28
